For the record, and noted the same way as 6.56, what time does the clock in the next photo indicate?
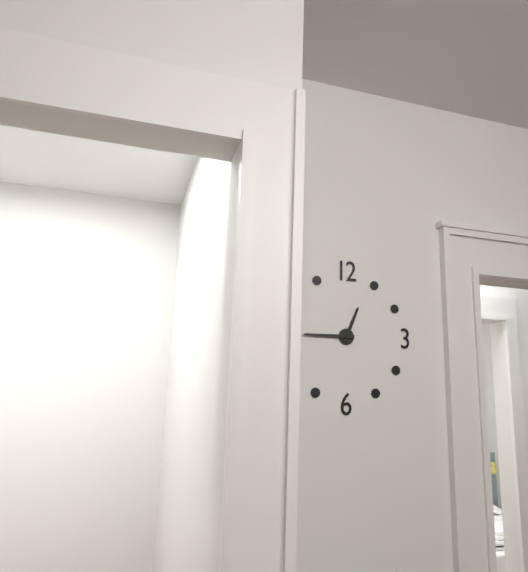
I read 12.45
